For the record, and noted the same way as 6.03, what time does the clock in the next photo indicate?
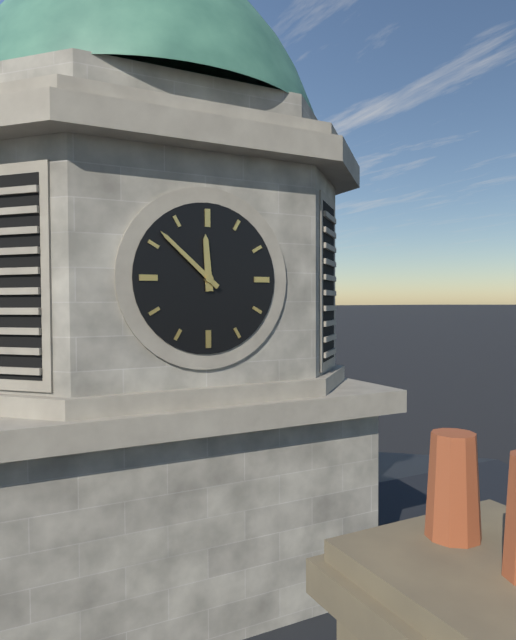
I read 11.52
